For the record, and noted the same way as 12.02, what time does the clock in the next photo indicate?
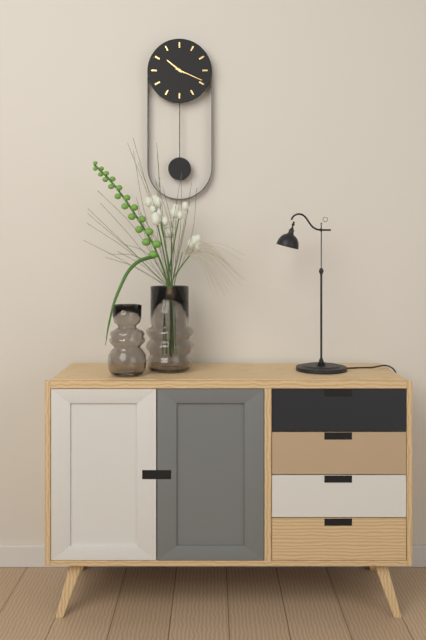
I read 10.19
